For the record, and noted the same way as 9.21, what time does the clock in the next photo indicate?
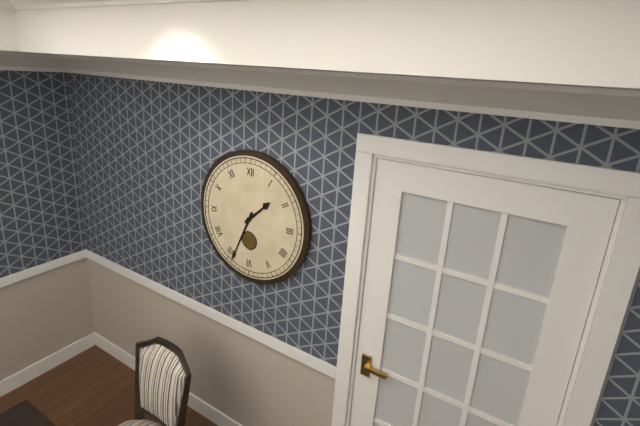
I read 1.34
